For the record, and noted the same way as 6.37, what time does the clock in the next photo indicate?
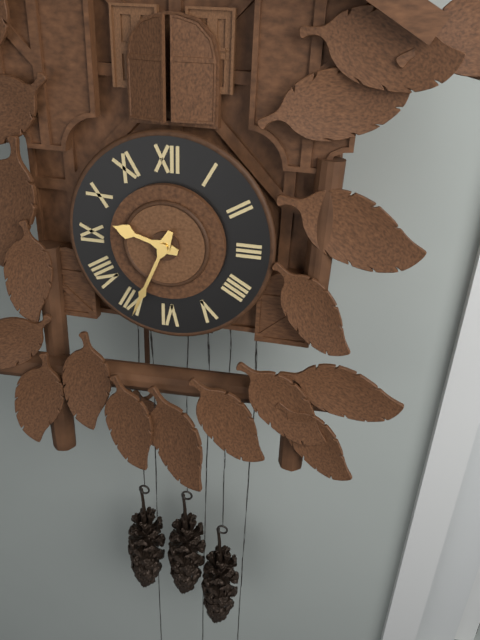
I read 9.34
